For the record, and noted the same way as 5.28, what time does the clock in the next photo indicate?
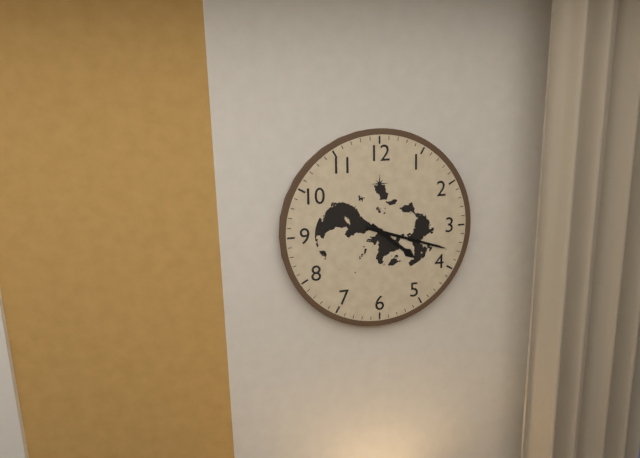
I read 4.18
